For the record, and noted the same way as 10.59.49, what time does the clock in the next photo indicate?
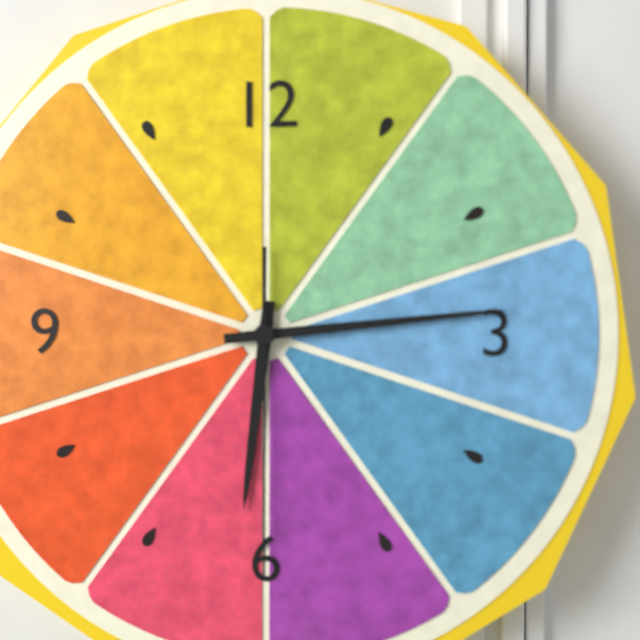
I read 6.14.30
